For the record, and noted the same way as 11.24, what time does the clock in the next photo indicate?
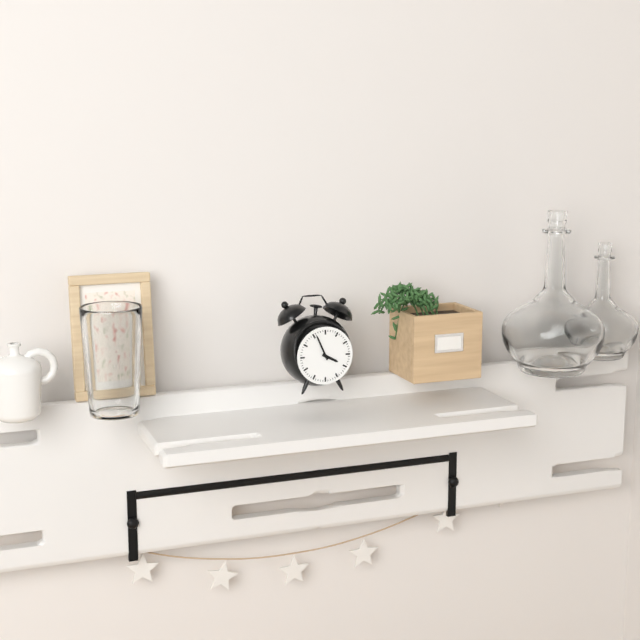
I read 3.56
